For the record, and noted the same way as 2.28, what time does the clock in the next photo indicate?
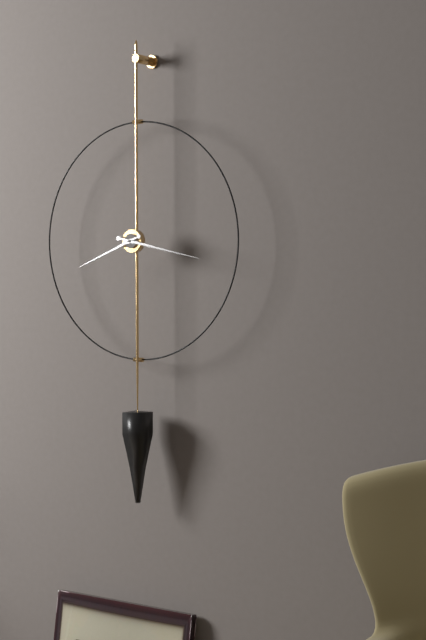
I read 8.17
